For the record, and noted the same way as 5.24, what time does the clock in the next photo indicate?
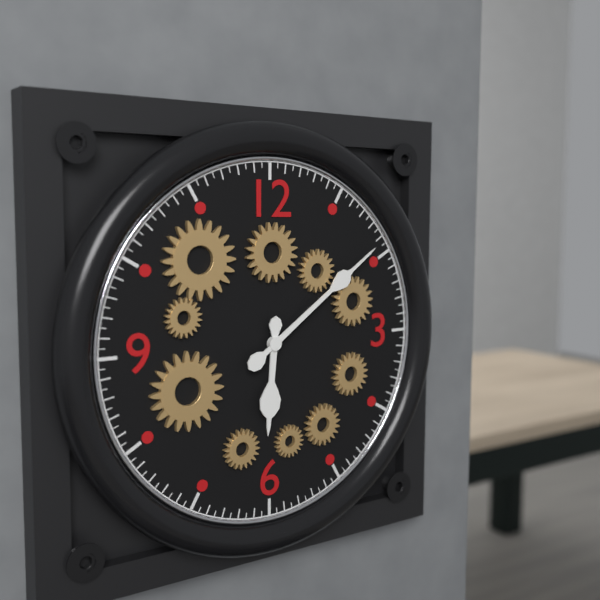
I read 6.09
